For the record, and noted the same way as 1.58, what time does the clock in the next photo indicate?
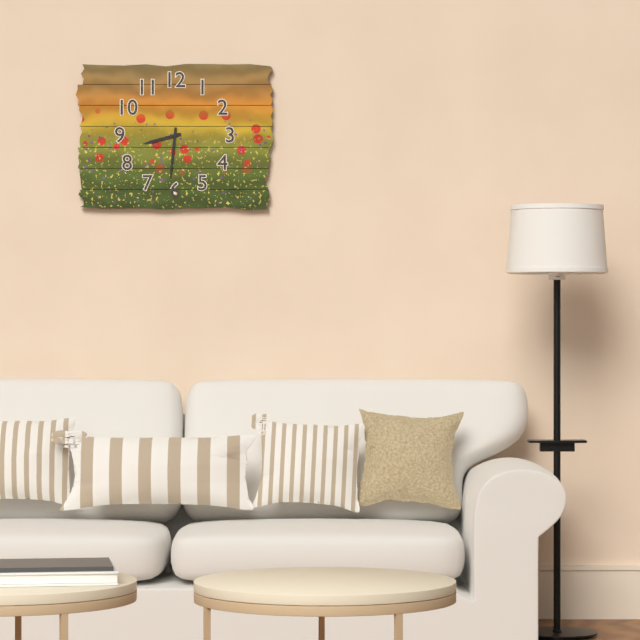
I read 8.31
